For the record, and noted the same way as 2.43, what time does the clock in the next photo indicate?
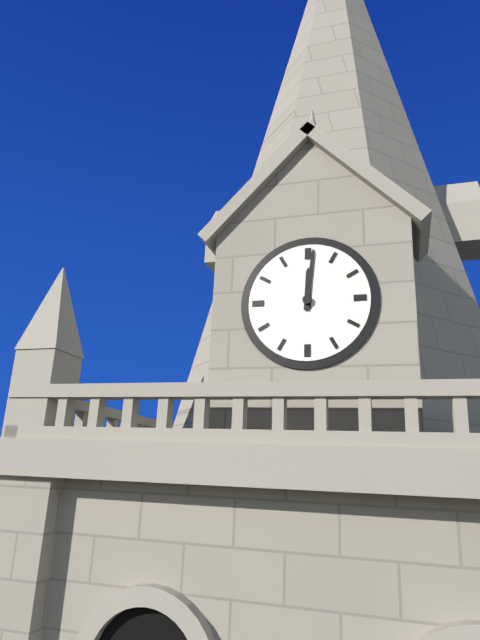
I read 12.01
